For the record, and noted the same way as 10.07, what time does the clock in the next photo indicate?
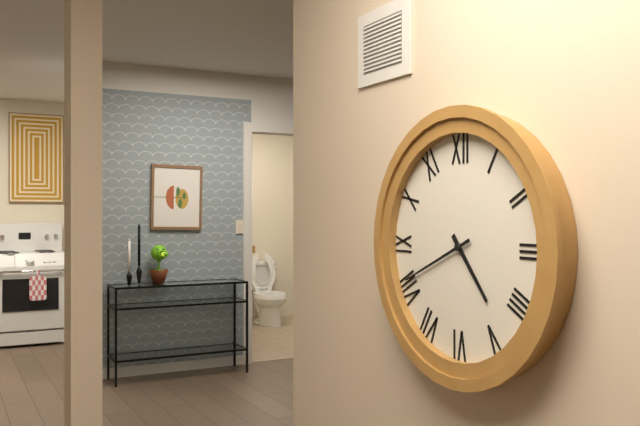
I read 4.41
